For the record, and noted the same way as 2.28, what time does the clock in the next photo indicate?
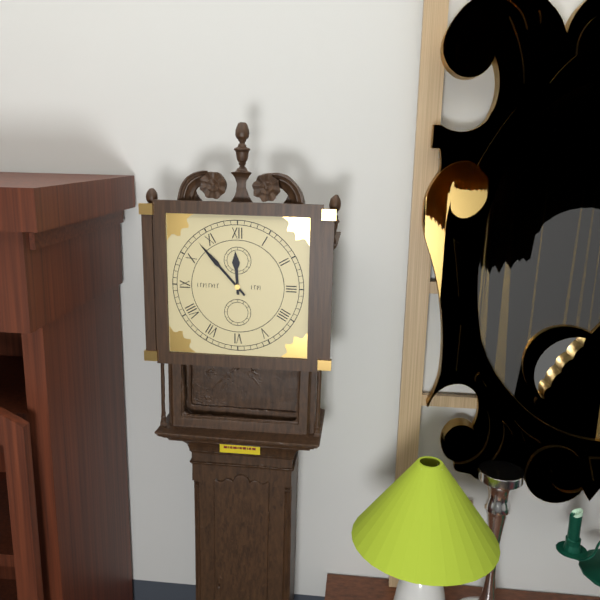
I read 11.53
